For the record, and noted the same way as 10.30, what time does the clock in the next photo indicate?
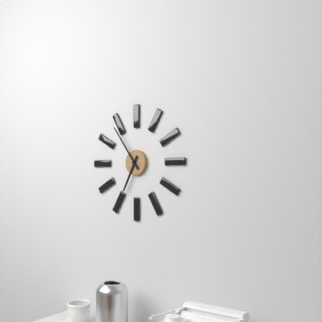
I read 6.54
